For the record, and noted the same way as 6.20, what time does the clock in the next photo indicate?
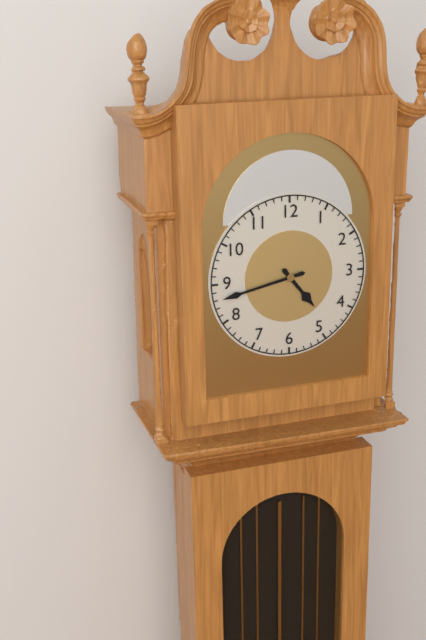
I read 4.43
